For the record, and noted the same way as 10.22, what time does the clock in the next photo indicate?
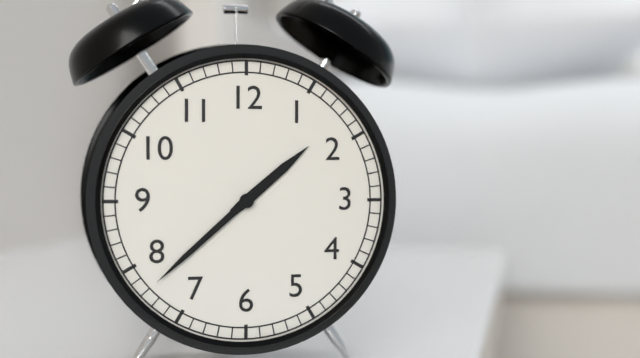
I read 1.38
